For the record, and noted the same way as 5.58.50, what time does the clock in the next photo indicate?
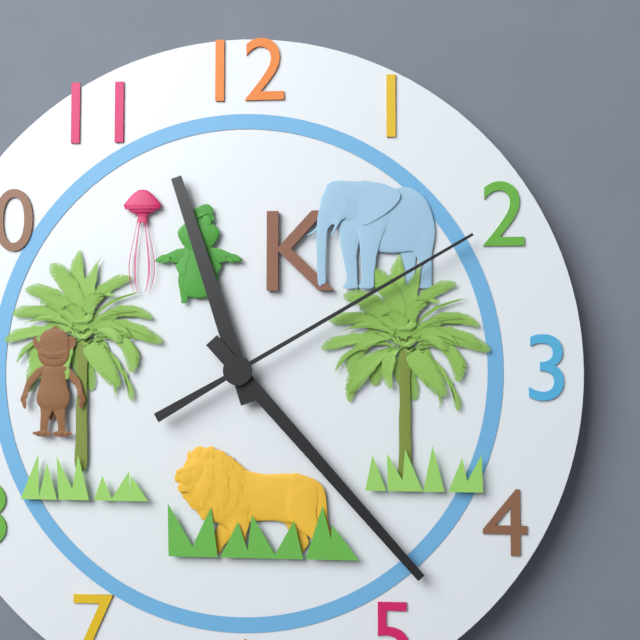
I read 11.23.10
